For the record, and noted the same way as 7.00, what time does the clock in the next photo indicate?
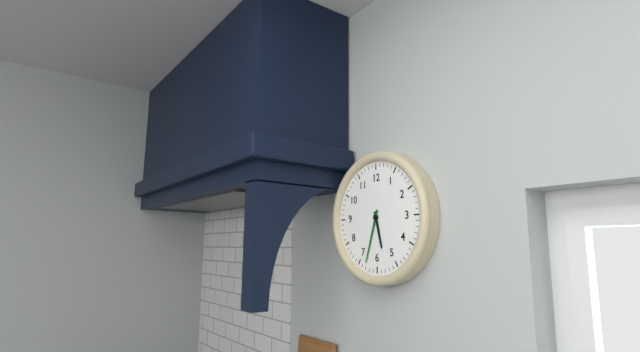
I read 5.33
